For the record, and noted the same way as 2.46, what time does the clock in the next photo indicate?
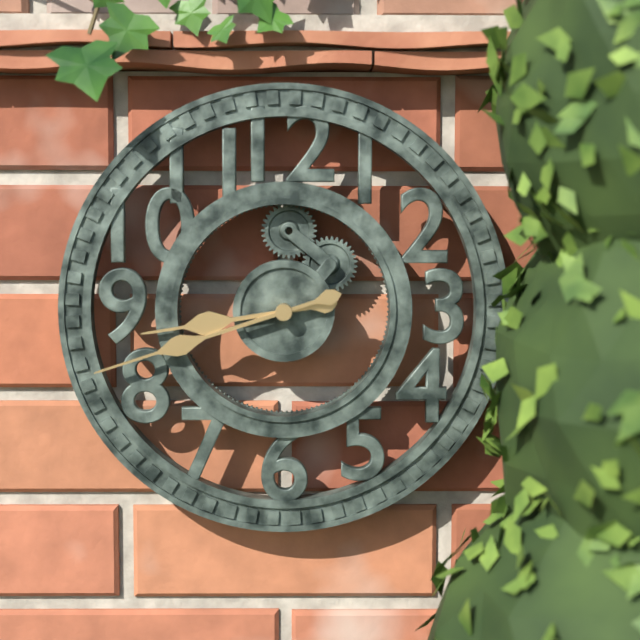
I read 8.42
